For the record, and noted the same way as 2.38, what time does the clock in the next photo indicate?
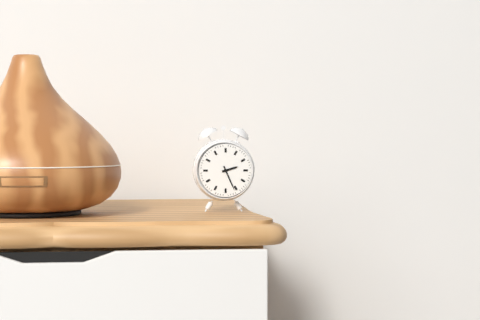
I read 2.26
